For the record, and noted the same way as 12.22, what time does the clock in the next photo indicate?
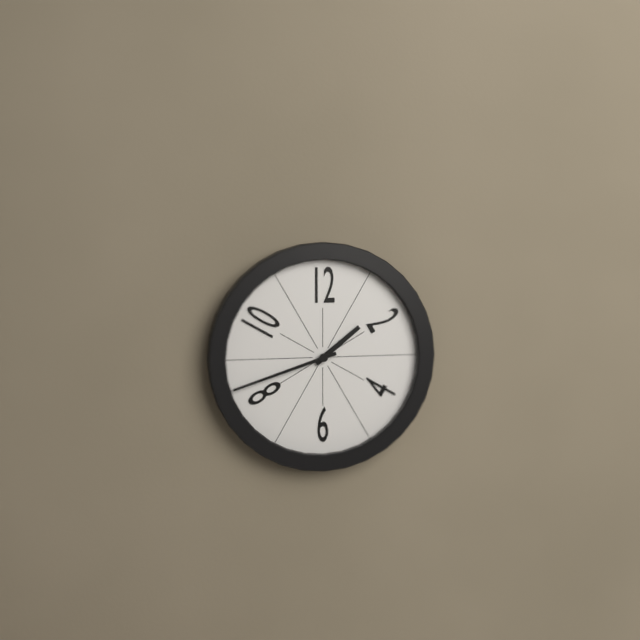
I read 1.42
